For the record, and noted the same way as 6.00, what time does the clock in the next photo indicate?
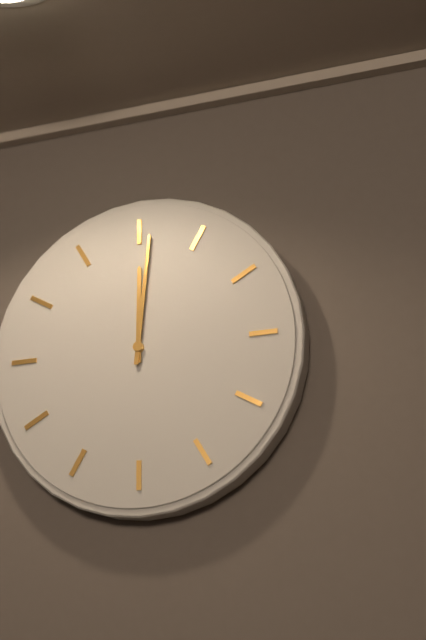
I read 12.01
